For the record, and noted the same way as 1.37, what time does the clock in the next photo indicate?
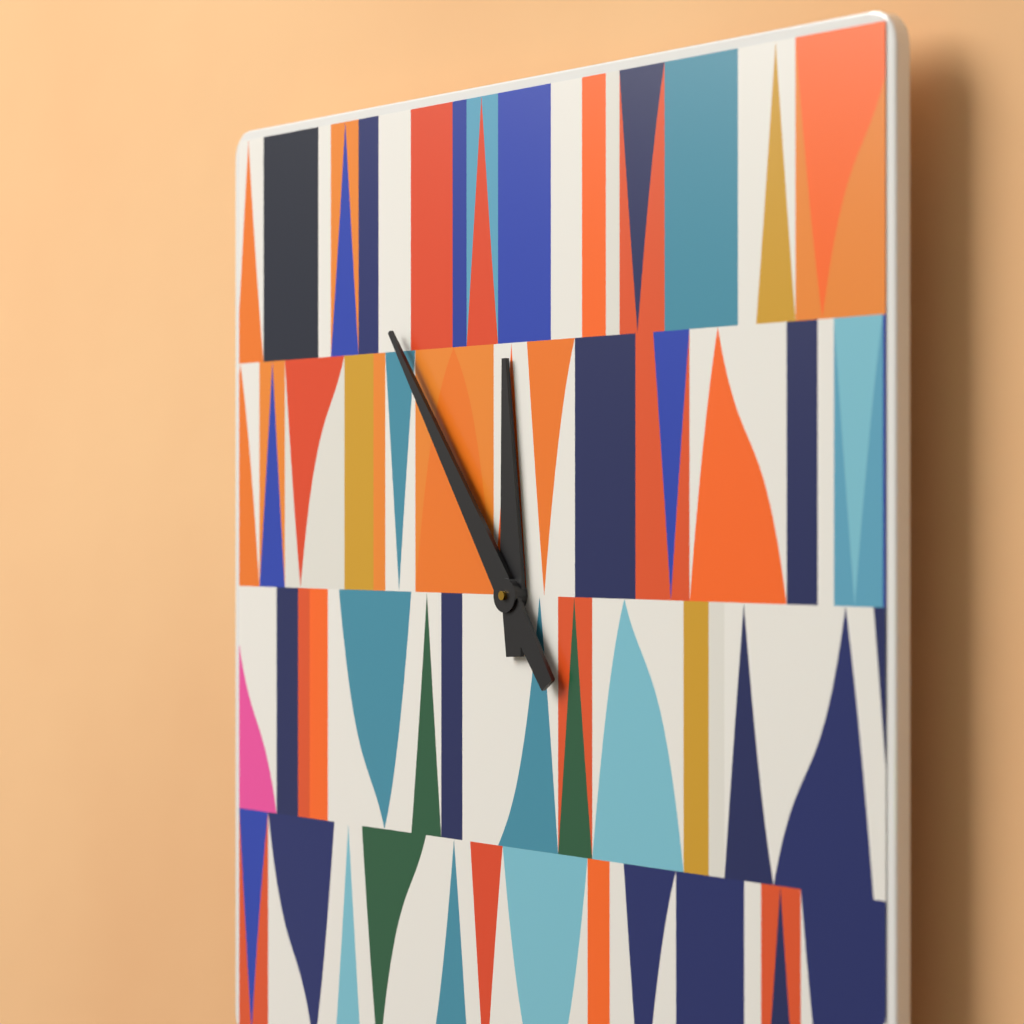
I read 11.54
